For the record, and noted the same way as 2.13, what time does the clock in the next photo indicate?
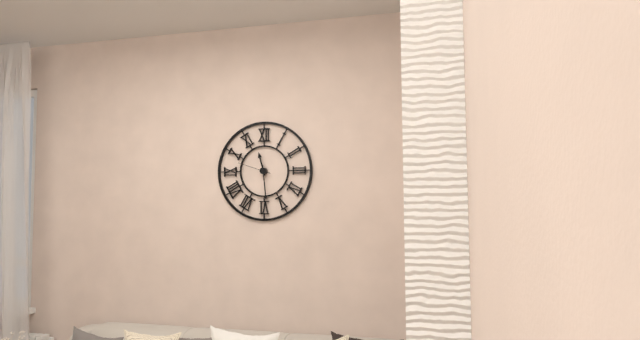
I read 11.29
